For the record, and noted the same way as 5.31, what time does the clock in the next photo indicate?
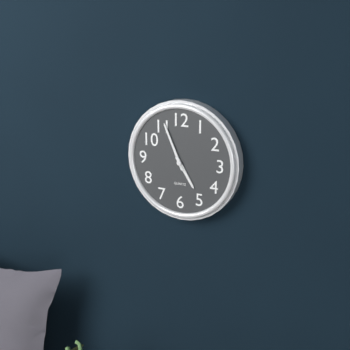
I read 4.56
